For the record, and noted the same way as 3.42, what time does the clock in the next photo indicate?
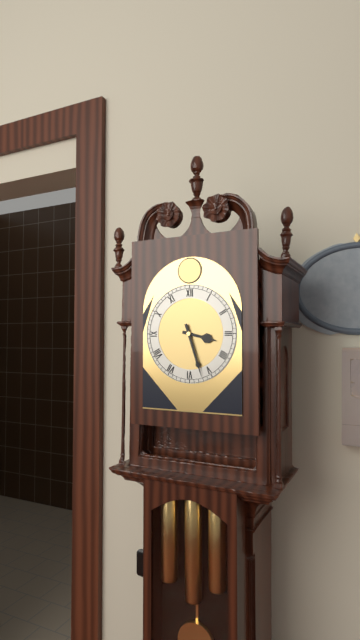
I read 3.27
